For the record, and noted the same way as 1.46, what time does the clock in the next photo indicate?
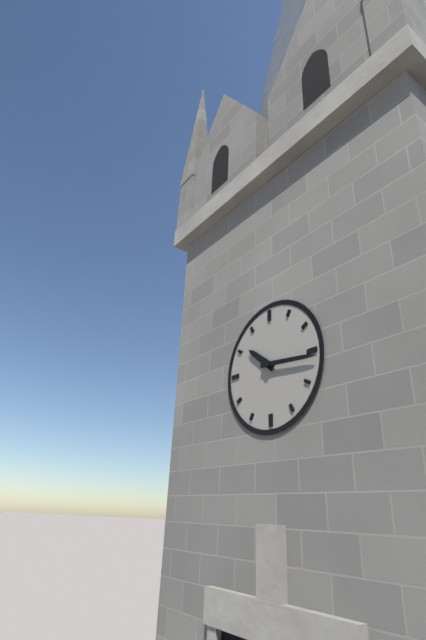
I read 10.16
